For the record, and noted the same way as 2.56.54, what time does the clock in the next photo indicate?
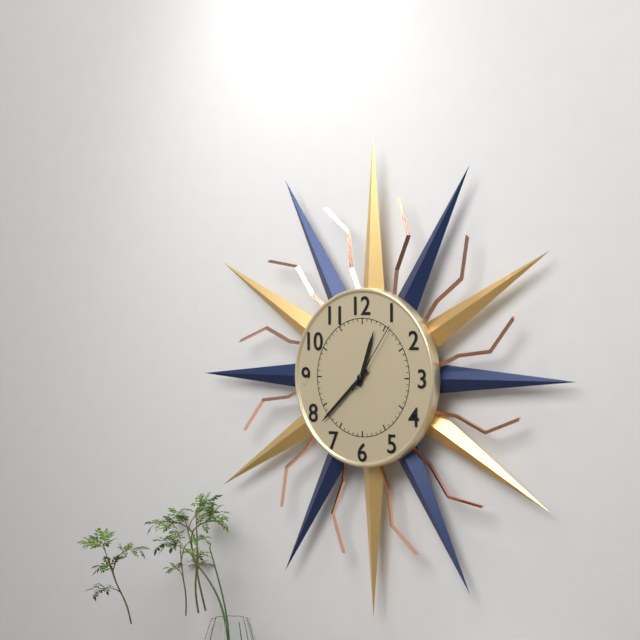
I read 12.38.06
